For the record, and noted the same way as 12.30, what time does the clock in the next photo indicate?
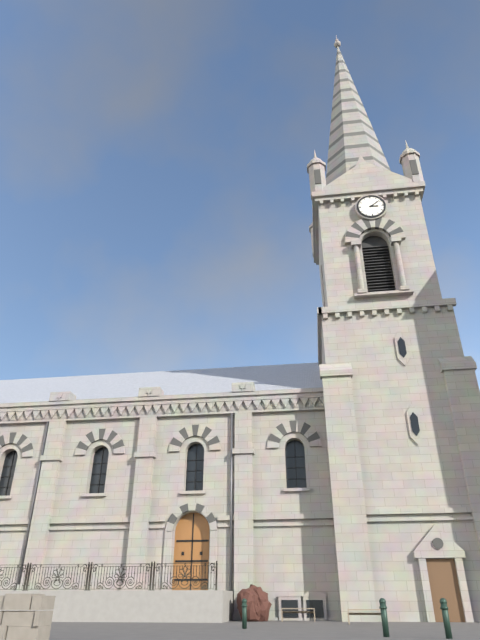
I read 3.09
